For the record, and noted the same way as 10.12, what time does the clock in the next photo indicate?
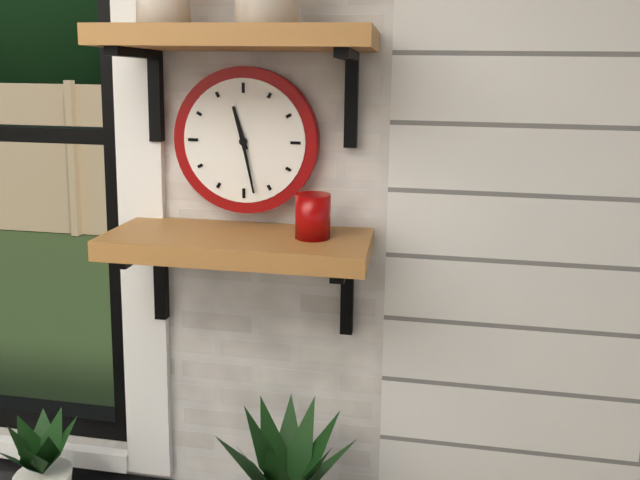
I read 11.28
